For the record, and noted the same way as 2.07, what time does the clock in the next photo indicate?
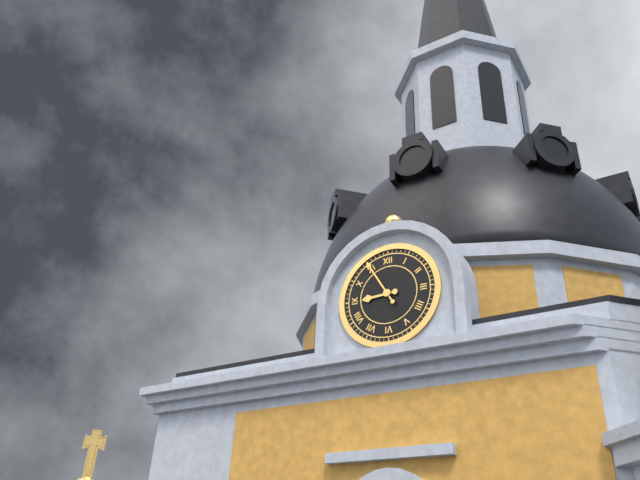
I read 8.55
